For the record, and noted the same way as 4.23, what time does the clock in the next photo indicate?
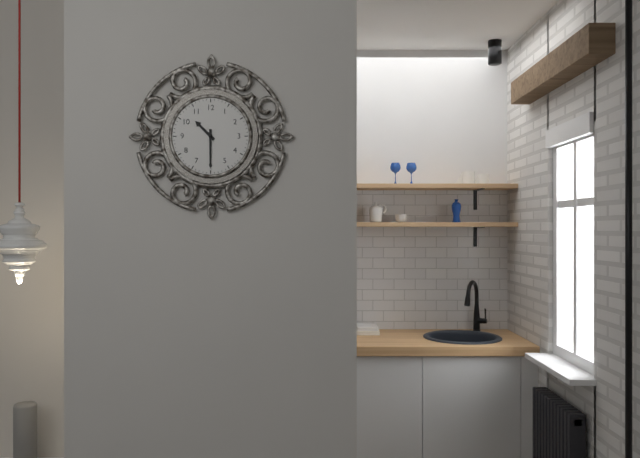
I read 10.30
